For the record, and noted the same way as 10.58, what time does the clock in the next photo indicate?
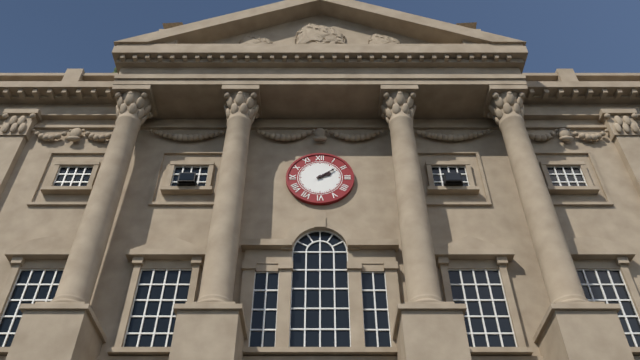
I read 2.09
